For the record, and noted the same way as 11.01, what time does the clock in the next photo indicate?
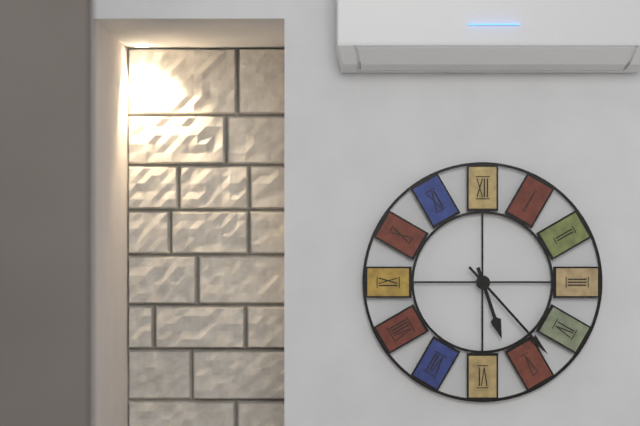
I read 5.23
